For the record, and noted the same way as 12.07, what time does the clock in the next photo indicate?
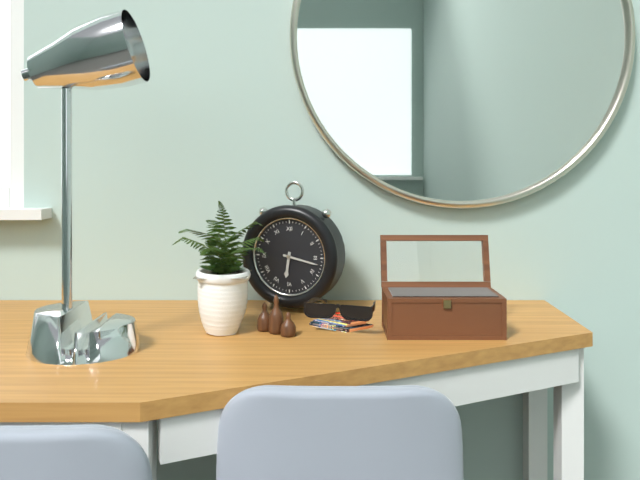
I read 6.17
